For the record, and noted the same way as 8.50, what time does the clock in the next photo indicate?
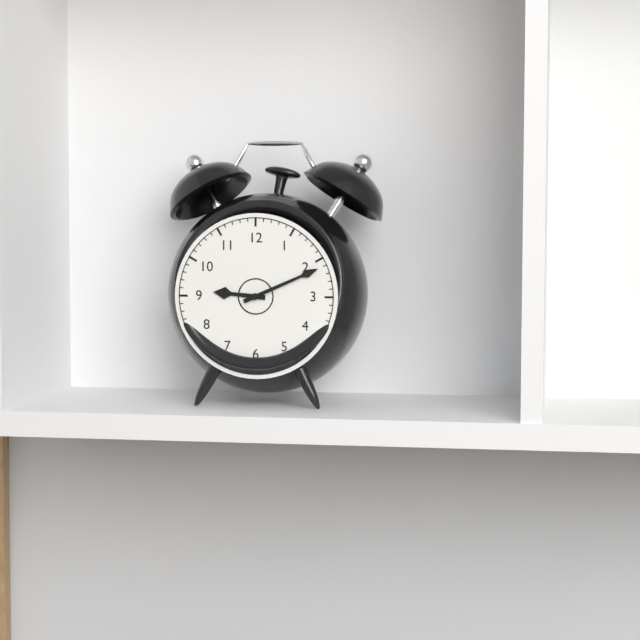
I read 9.11
